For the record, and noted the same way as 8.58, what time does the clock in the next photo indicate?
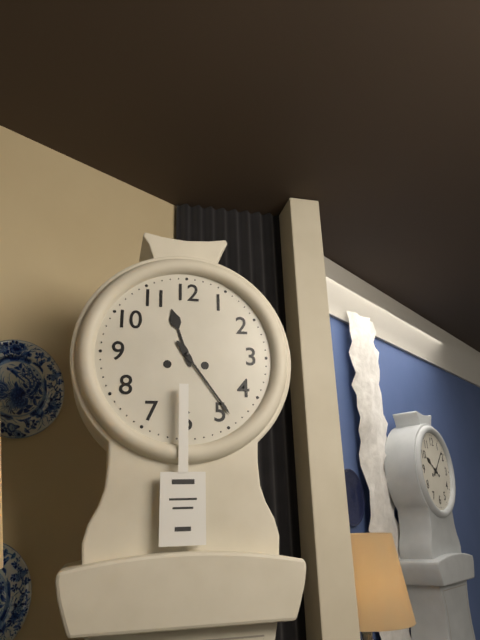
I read 11.24
